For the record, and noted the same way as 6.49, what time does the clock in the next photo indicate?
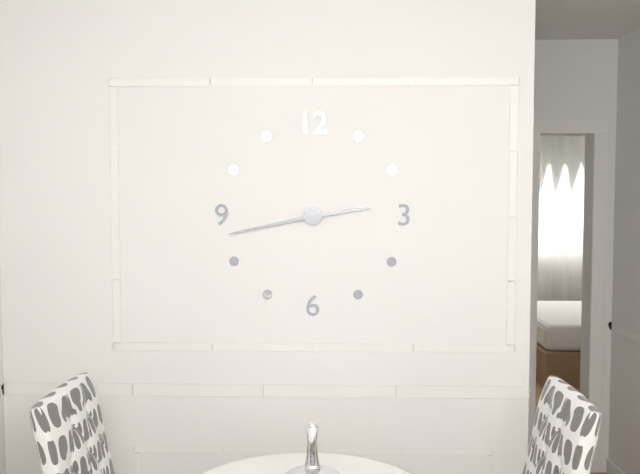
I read 2.43
